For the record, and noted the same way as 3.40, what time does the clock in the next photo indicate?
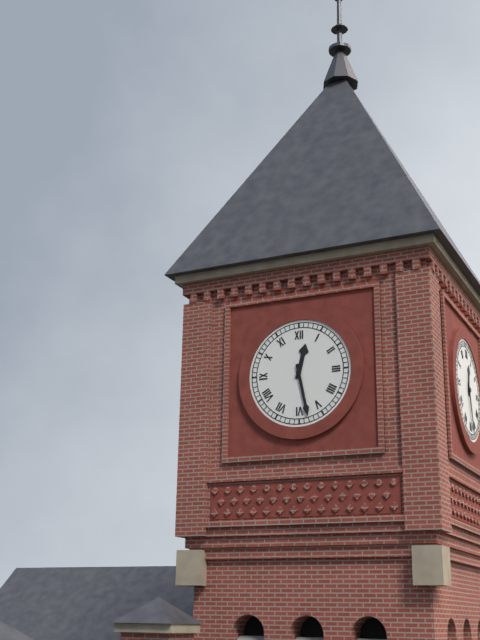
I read 12.28
